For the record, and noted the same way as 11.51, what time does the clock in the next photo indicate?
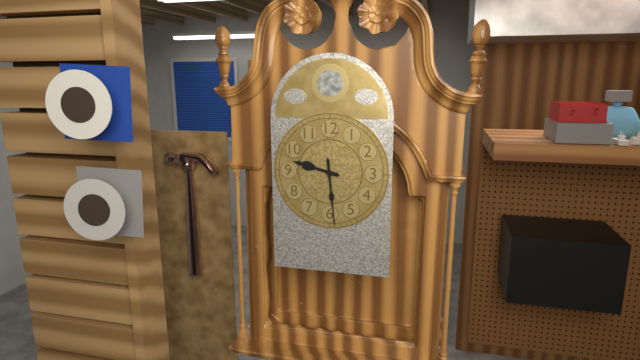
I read 9.29
